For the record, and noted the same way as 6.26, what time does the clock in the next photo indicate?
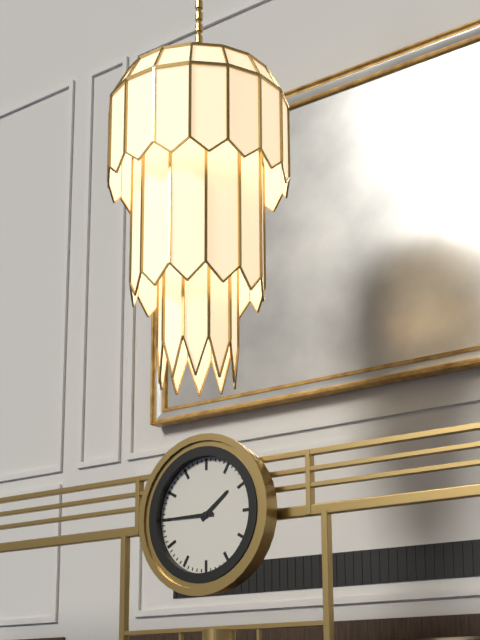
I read 1.45
